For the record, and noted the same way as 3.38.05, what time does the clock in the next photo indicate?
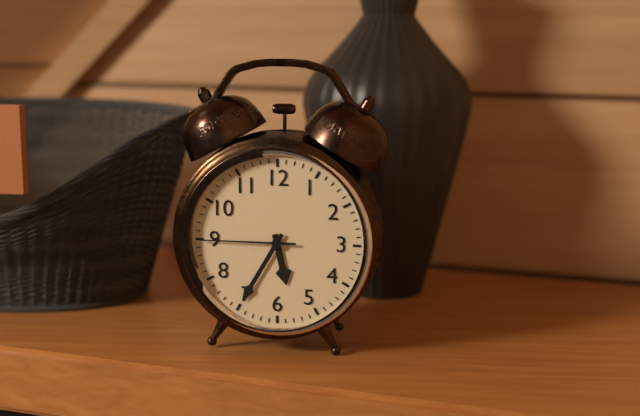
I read 5.35.45
